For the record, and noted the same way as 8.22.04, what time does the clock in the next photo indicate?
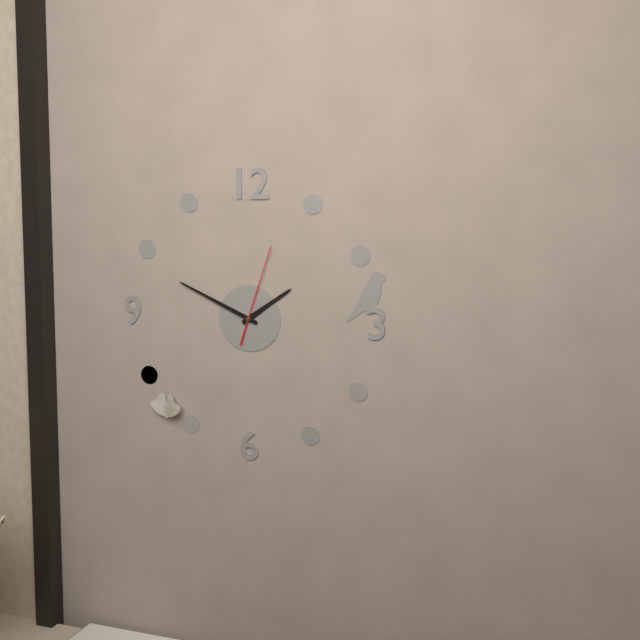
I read 1.49.03
